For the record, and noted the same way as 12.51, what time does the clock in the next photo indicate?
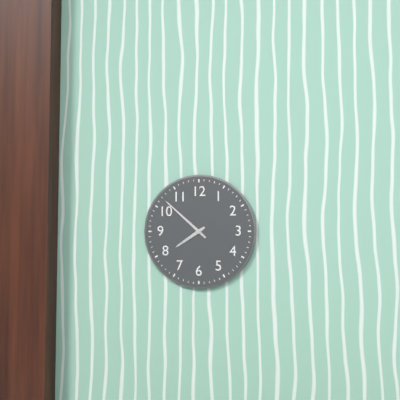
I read 7.52
